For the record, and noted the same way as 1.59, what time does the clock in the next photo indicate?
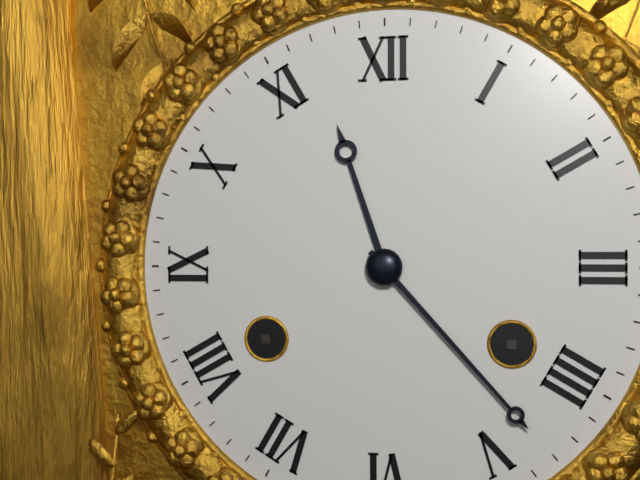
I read 11.23
